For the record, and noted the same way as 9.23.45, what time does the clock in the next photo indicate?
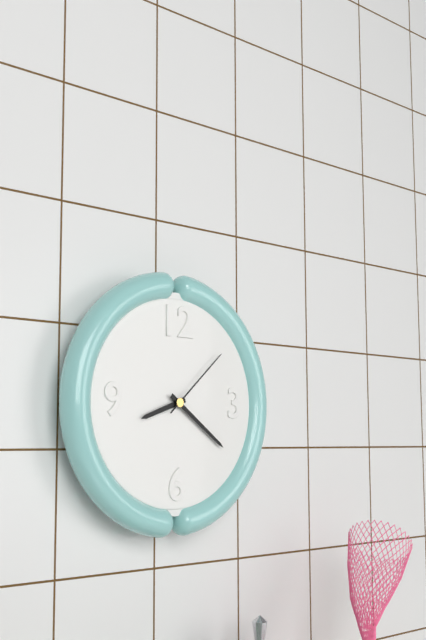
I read 8.21.08
